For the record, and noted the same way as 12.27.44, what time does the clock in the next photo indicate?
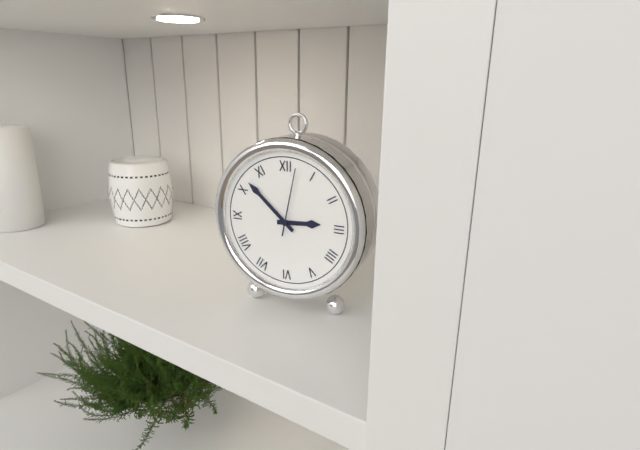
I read 2.52.02
